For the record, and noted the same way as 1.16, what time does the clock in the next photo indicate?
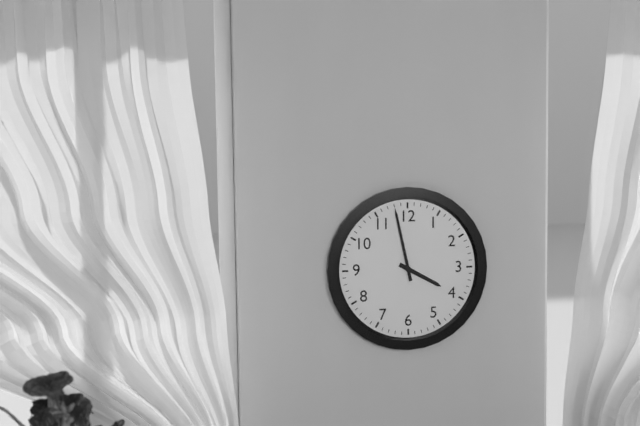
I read 3.58
